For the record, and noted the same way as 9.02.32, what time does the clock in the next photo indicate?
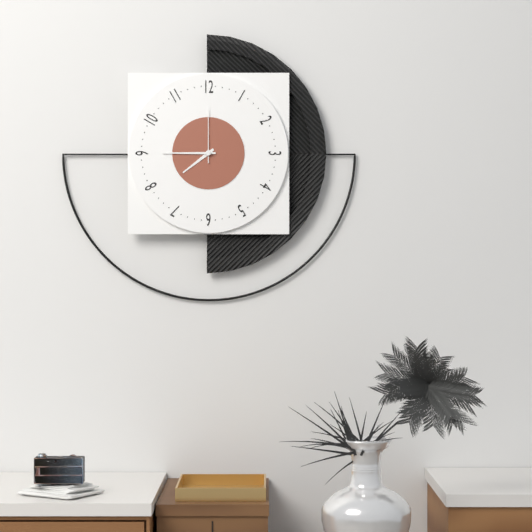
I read 7.45.00
